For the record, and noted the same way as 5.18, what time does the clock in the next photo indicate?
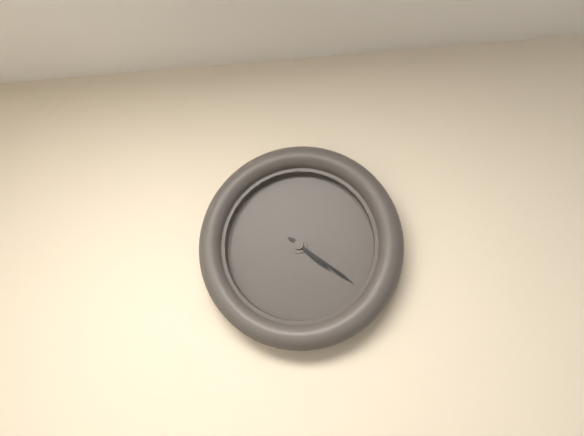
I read 4.21
